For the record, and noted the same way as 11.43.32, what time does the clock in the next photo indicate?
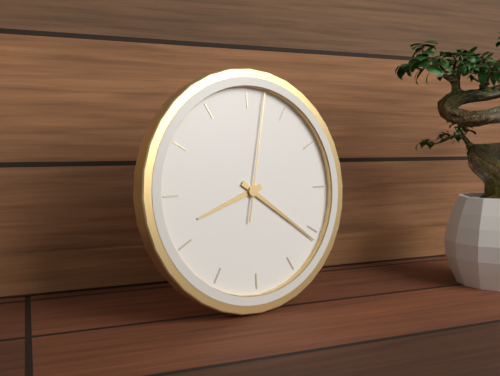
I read 8.21.02
